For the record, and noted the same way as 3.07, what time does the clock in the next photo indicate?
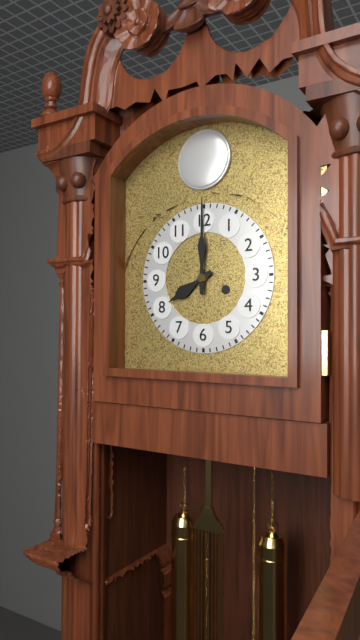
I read 8.00
